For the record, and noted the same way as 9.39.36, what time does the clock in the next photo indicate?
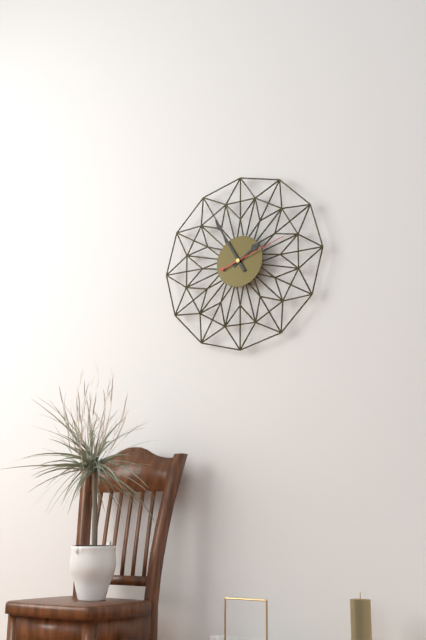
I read 1.55.12
